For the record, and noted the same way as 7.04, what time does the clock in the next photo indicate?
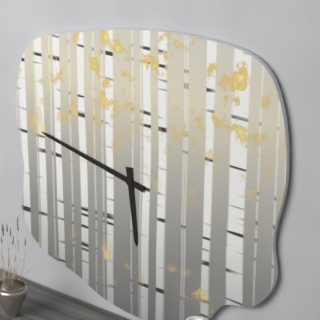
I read 5.47
